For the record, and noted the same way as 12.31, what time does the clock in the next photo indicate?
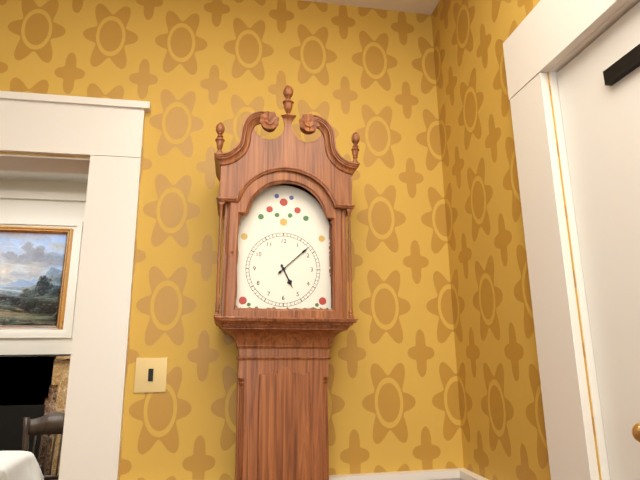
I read 5.08
